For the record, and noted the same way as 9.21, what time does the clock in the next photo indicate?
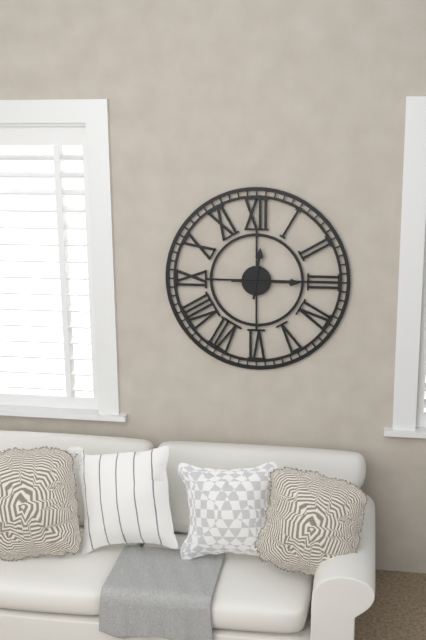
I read 12.15
